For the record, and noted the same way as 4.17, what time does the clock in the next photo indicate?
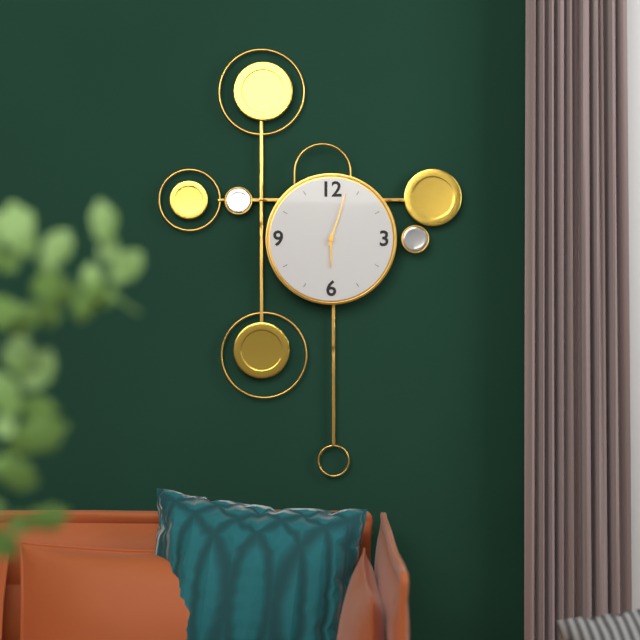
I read 6.03
